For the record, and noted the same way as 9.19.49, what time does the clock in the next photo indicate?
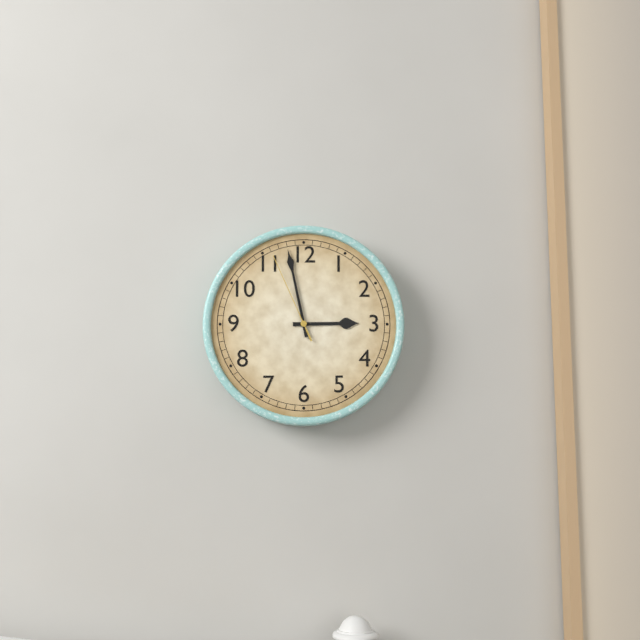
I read 2.58.56
